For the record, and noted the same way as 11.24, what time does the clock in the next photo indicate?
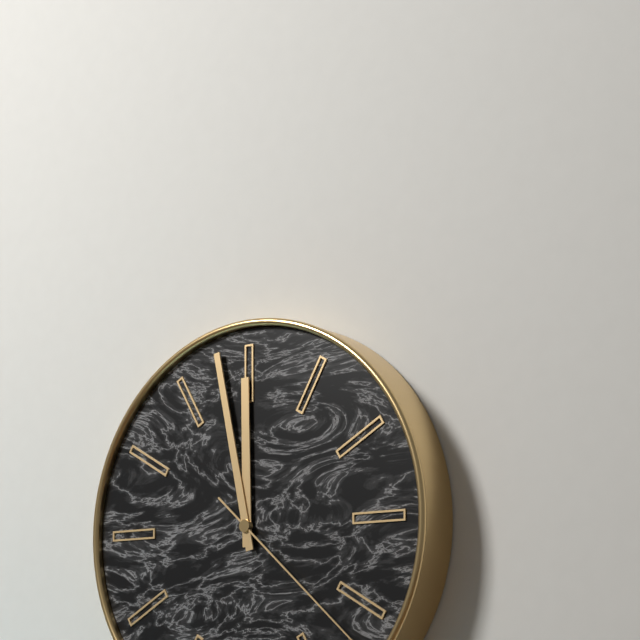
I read 11.58
